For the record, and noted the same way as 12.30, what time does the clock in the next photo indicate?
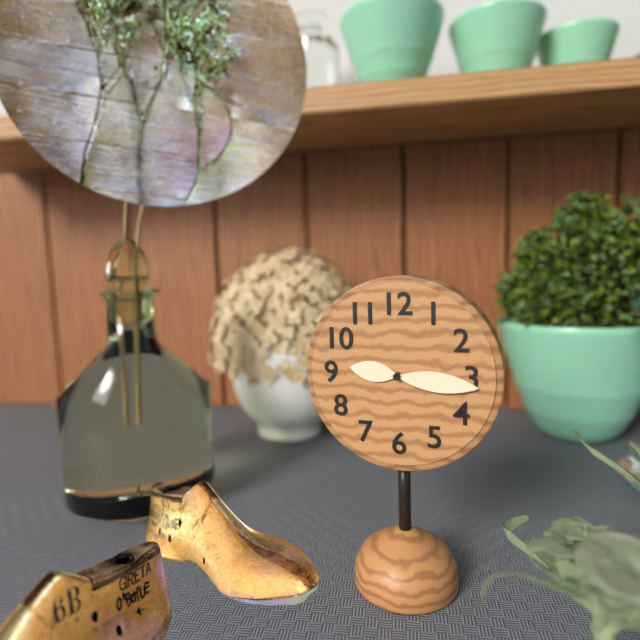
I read 9.16
